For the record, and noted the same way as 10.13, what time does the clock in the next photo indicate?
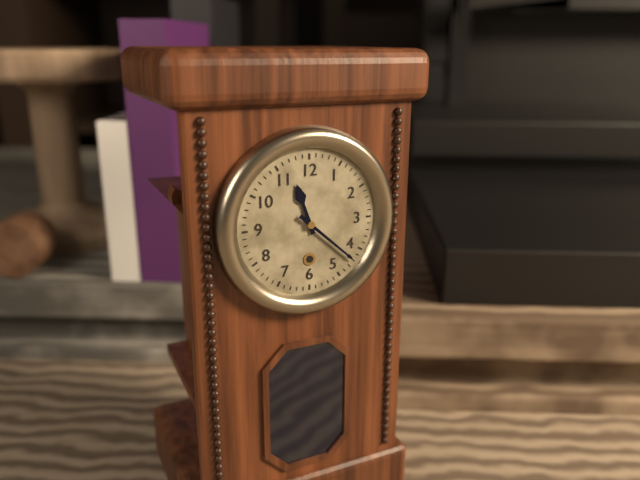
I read 11.22
